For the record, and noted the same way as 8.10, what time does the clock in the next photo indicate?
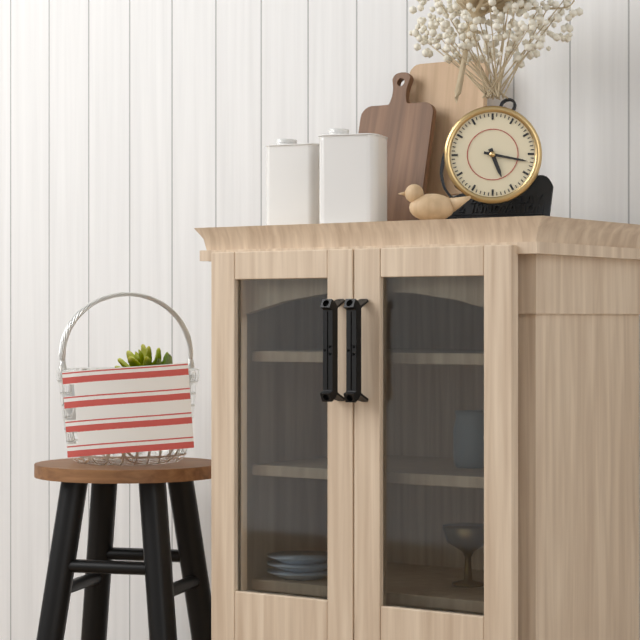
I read 5.17
